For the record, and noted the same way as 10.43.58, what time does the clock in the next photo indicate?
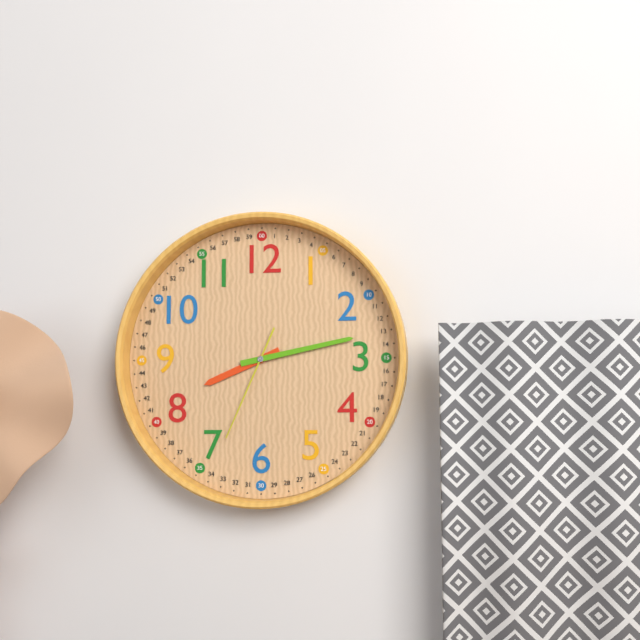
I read 8.13.34
